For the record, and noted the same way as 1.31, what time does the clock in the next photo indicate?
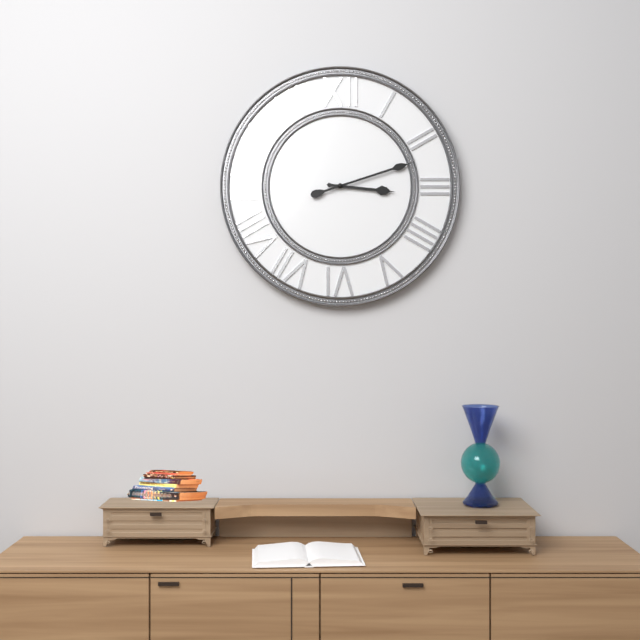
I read 3.12
